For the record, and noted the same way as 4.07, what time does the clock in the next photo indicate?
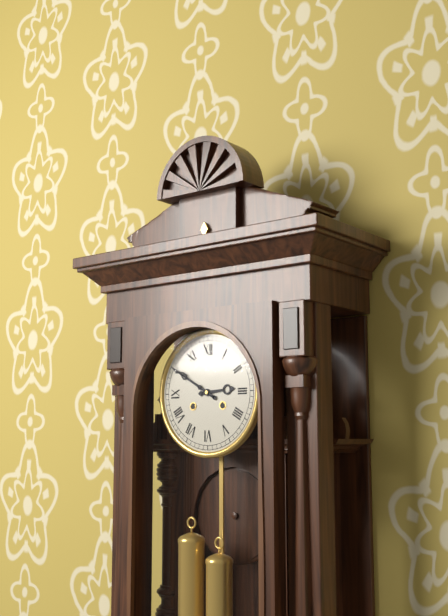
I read 2.50
